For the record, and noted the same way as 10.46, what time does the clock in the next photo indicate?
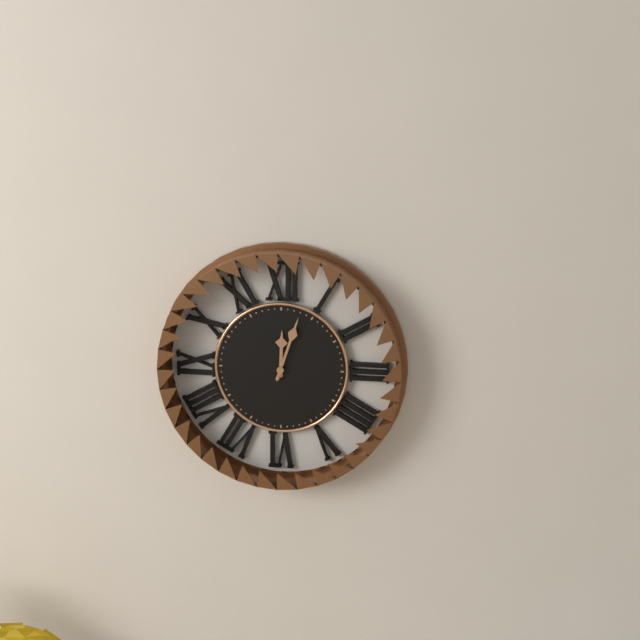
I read 12.03
